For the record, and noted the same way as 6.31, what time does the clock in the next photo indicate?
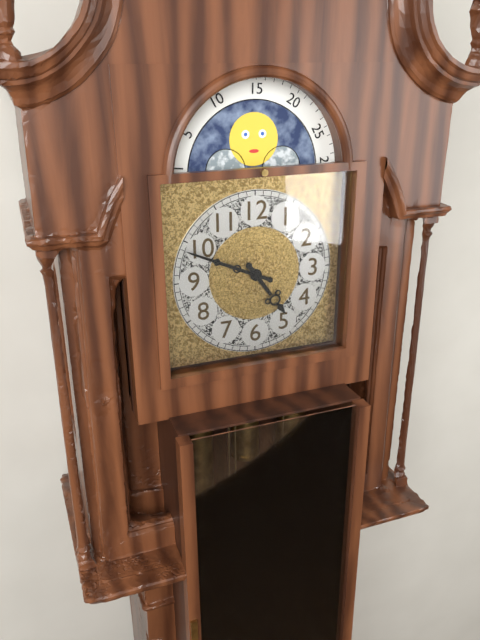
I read 4.49
